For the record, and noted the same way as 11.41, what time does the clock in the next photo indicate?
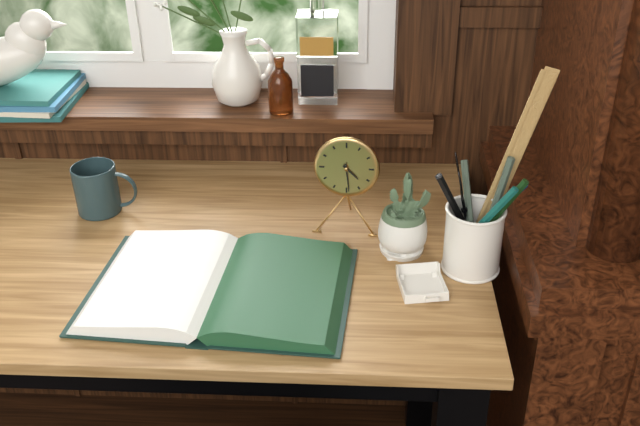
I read 4.29
